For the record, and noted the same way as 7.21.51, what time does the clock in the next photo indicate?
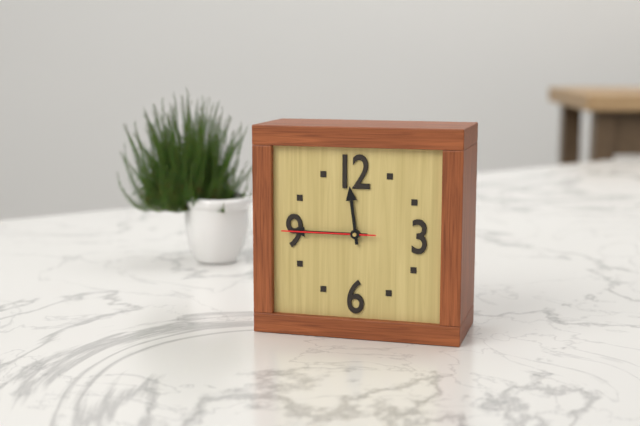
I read 11.45.45
